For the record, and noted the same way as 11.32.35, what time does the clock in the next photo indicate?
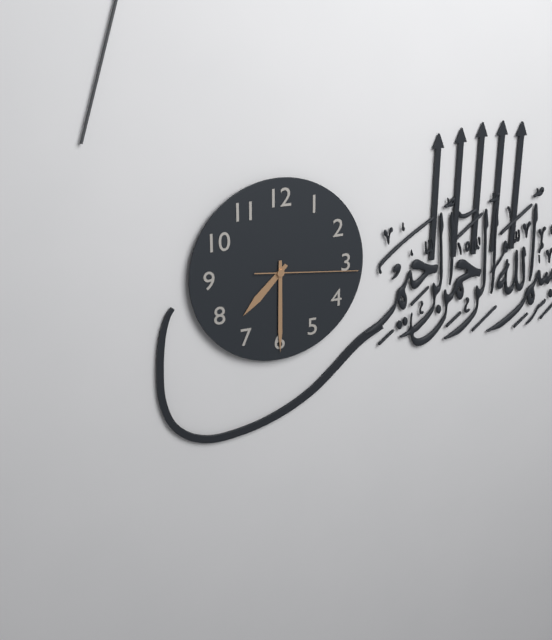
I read 7.30.16
